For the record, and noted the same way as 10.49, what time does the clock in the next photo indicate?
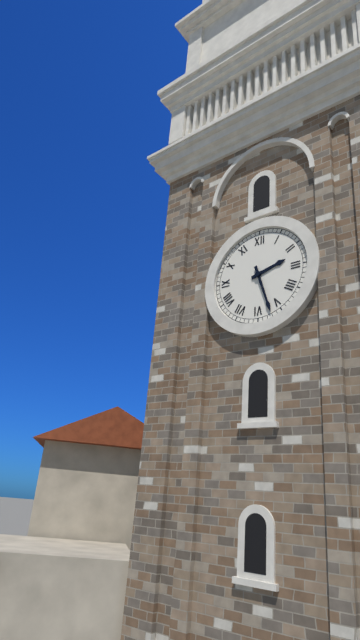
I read 2.27
